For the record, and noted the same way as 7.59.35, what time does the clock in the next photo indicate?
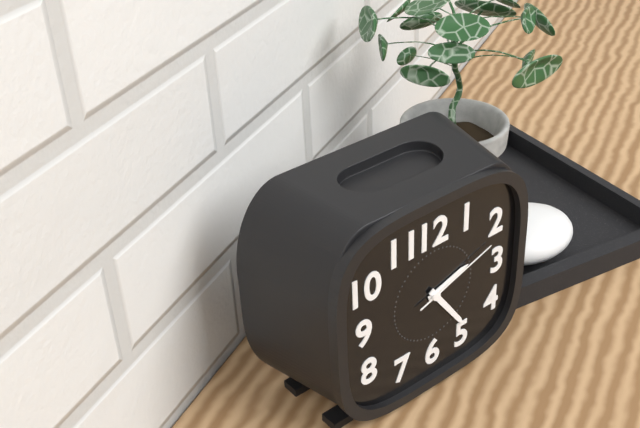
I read 2.24.12
